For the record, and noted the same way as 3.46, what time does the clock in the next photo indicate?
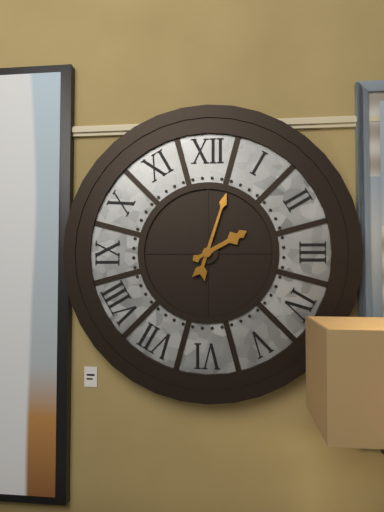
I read 2.03
